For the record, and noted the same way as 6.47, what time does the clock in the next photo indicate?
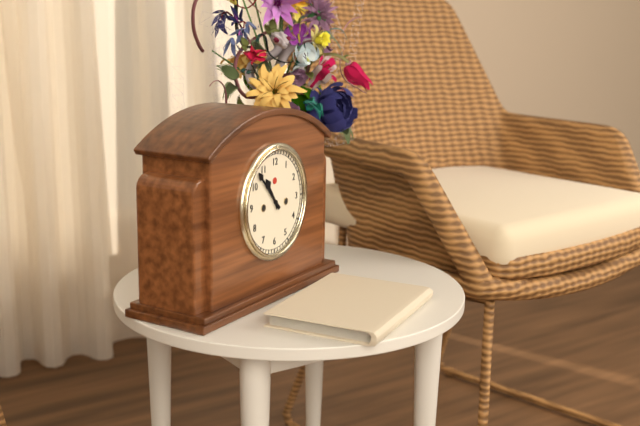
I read 10.53
